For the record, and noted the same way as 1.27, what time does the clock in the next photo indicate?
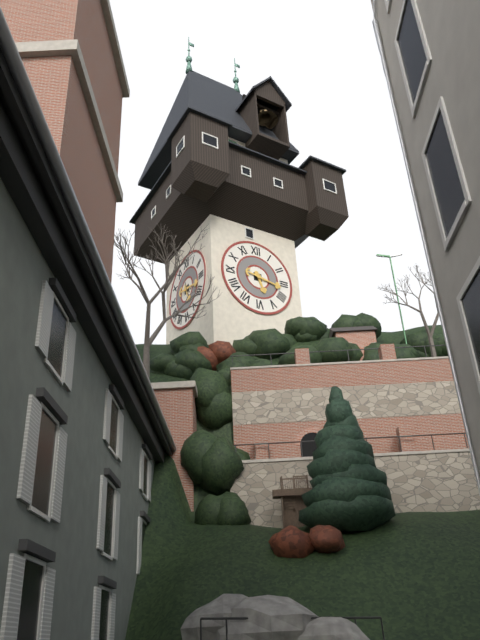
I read 5.17
